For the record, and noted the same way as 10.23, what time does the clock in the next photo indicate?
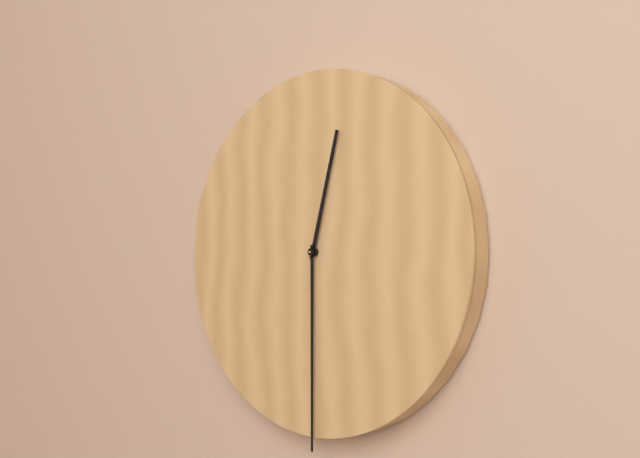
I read 12.30
